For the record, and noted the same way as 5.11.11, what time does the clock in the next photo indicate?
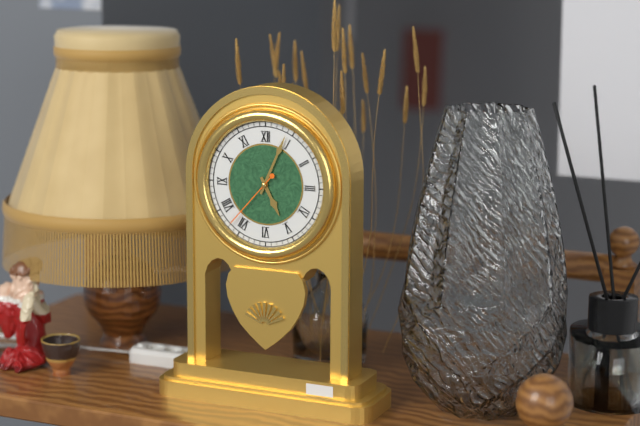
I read 5.04.37
